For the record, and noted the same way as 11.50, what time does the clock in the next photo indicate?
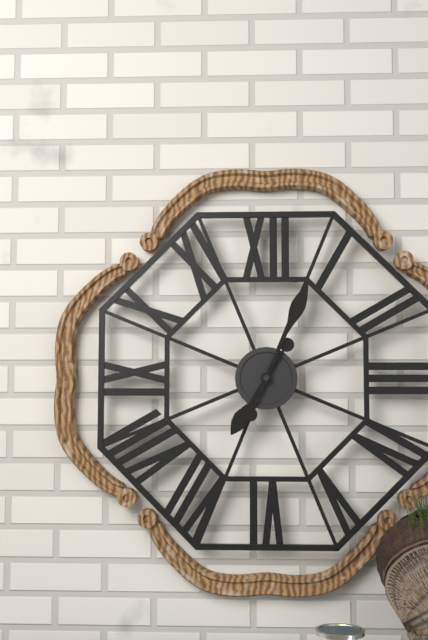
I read 7.04
